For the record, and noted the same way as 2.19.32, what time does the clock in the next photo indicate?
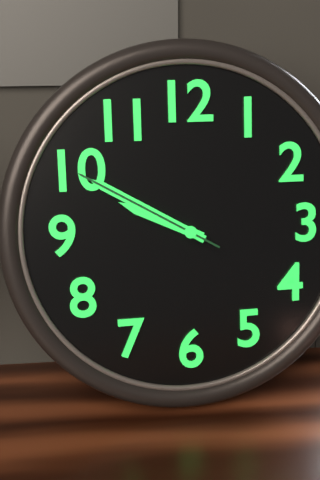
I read 9.50.50
